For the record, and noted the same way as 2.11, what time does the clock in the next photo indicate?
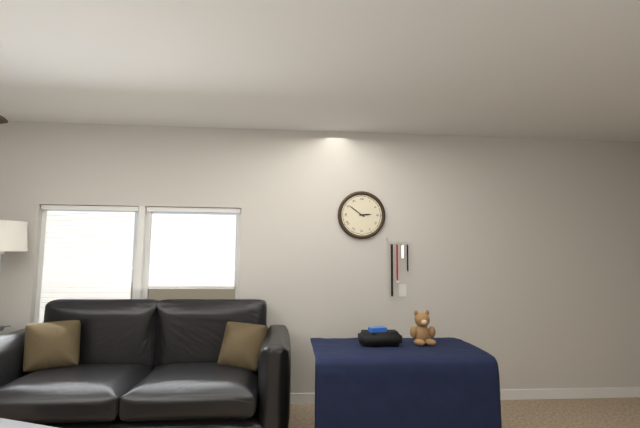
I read 2.51
